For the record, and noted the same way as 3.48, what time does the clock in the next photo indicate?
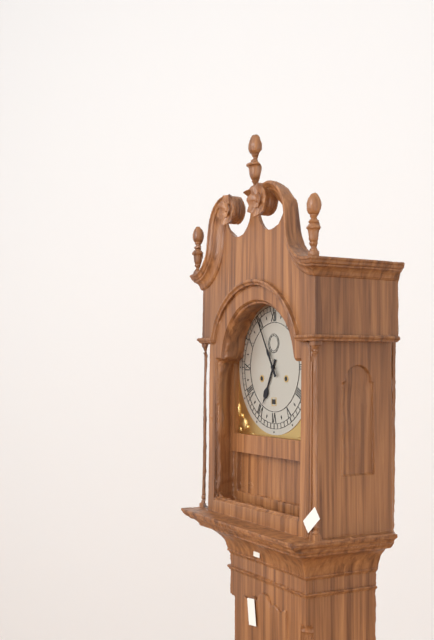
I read 6.55
